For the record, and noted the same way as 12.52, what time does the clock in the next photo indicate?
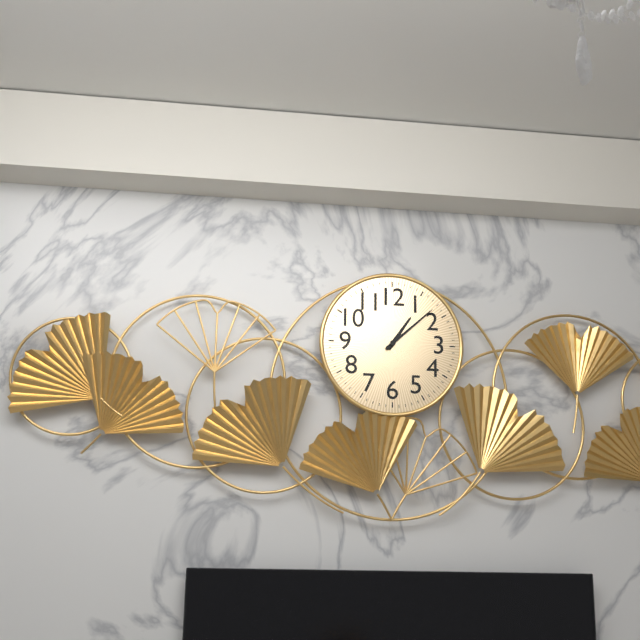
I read 1.08
